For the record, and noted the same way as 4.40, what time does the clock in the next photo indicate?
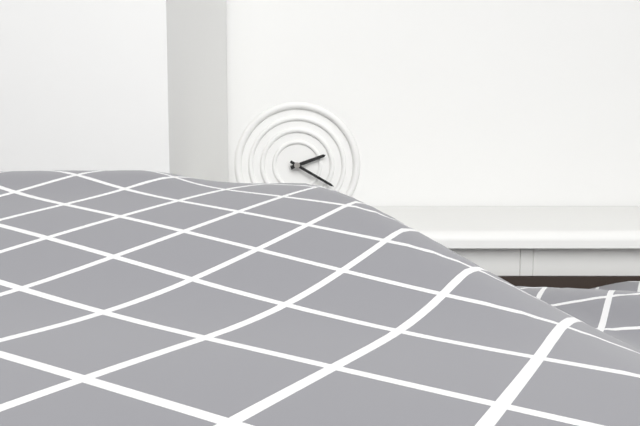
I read 2.20
